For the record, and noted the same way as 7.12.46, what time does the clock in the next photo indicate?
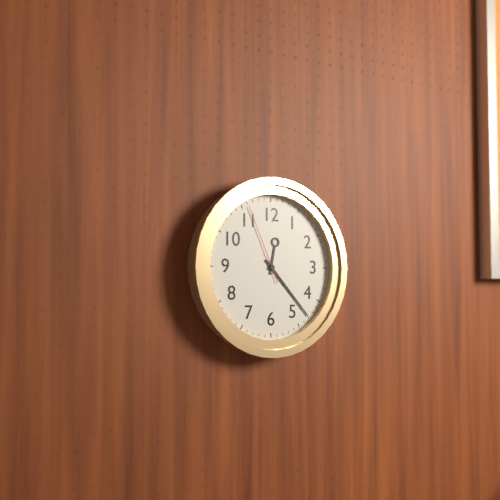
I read 12.23.56
